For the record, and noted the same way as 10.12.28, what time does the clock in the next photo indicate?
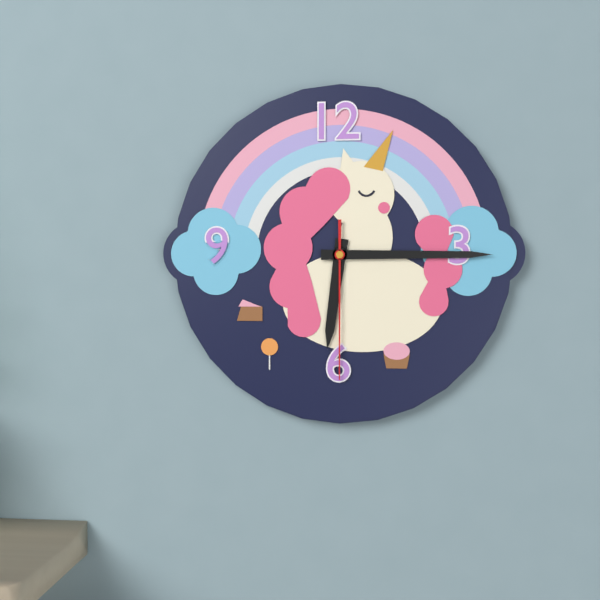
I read 6.15.30
